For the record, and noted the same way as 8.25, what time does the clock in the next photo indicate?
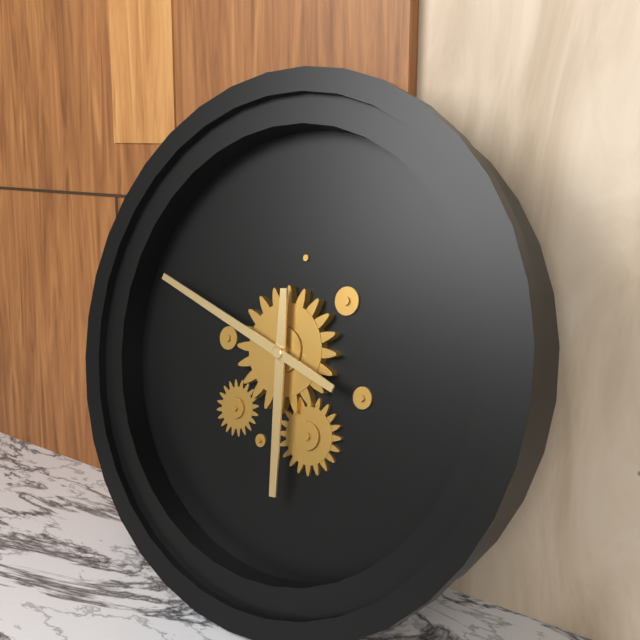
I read 5.48
